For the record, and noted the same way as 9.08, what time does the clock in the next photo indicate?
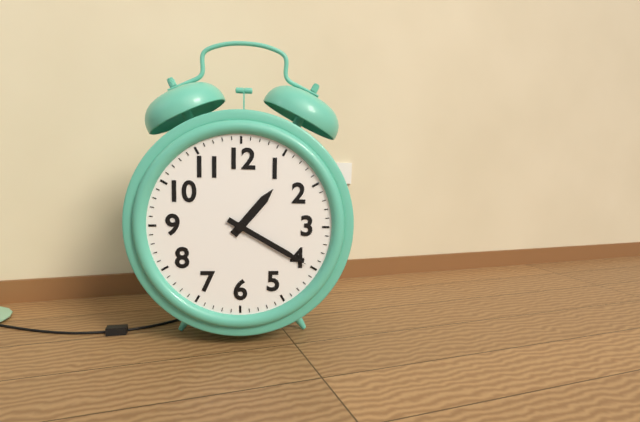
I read 1.20
